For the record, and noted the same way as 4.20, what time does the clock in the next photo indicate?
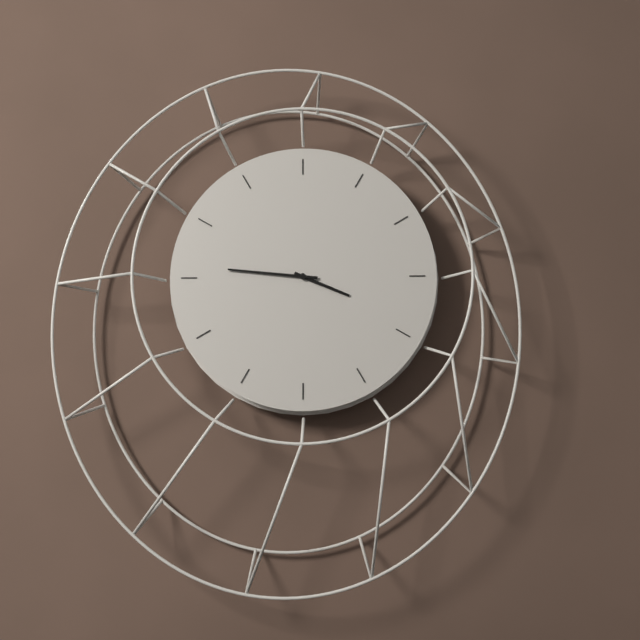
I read 3.46
